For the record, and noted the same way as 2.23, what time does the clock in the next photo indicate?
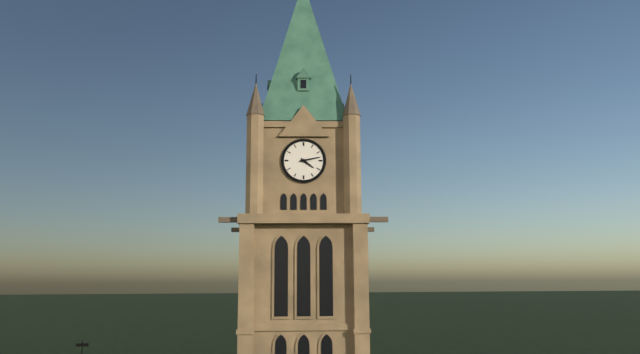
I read 4.13
